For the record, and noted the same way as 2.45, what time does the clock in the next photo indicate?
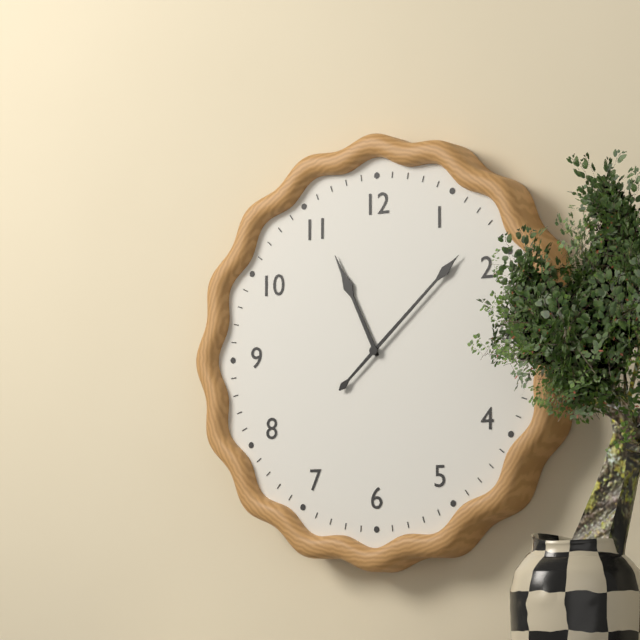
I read 11.08
